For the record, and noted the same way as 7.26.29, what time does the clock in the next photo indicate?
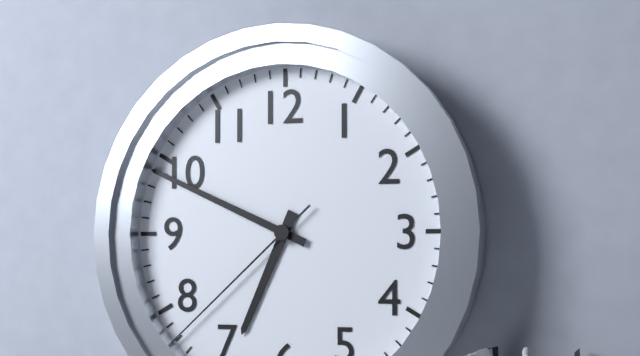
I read 6.49.38
